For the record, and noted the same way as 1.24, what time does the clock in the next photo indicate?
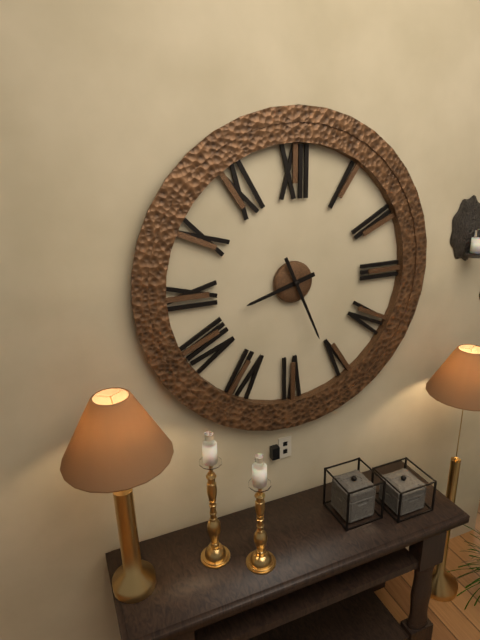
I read 8.26
